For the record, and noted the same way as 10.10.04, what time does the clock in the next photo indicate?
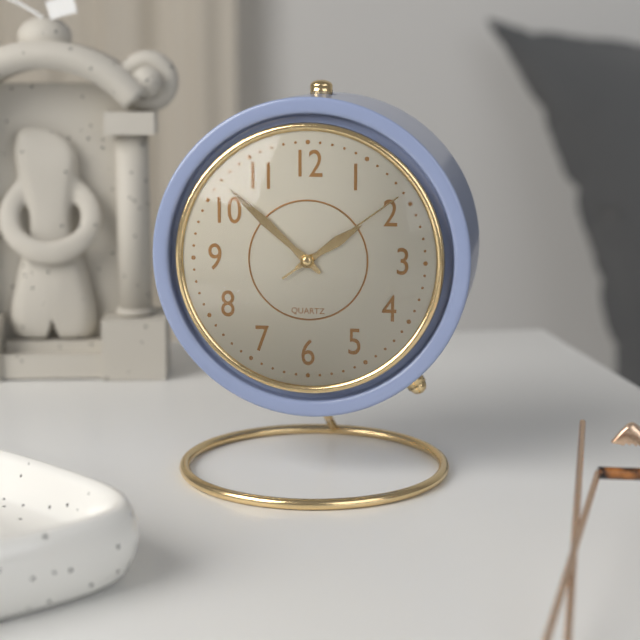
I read 1.52.09
